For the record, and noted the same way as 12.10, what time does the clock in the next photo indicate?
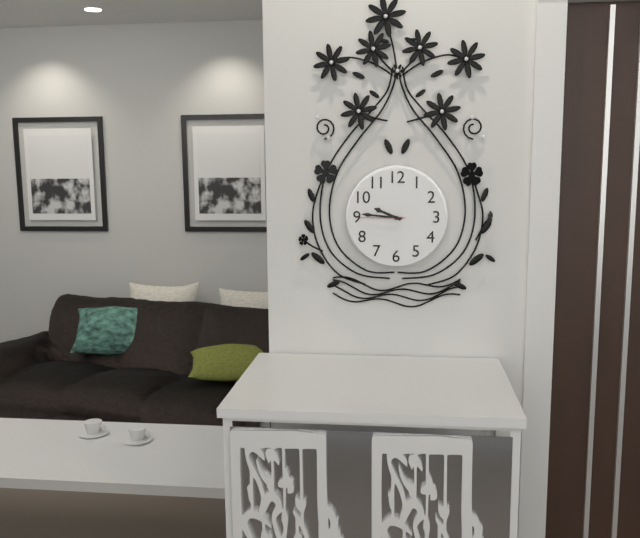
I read 9.46
